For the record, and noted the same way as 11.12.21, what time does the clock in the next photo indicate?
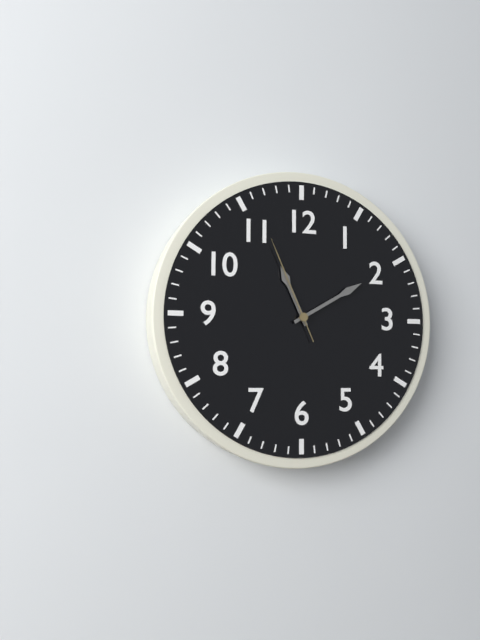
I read 11.10.56
